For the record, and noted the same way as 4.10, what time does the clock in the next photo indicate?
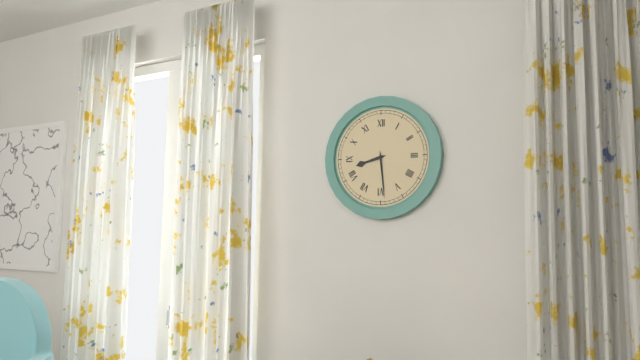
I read 8.29
